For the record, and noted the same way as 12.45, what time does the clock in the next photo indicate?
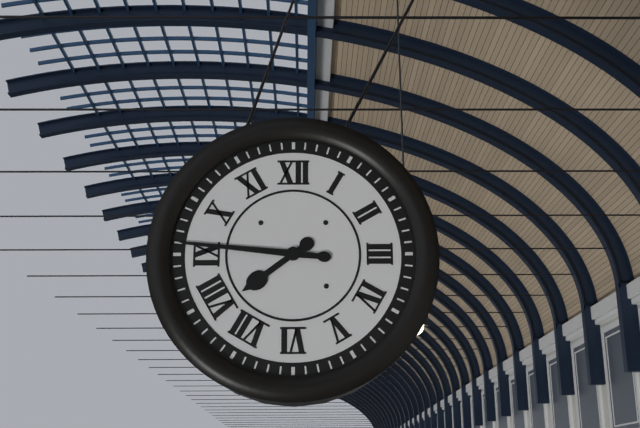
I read 7.46
